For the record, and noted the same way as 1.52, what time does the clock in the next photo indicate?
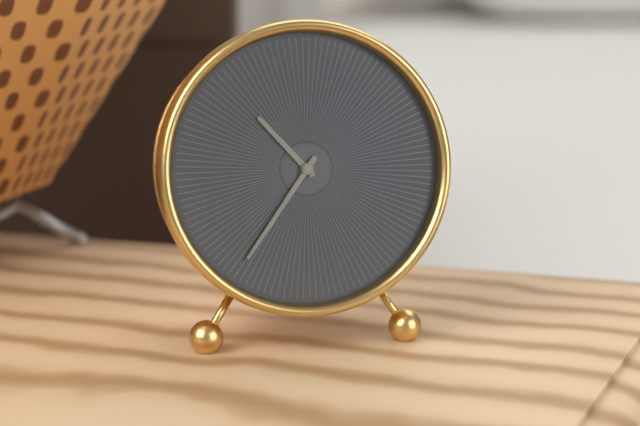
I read 10.36
